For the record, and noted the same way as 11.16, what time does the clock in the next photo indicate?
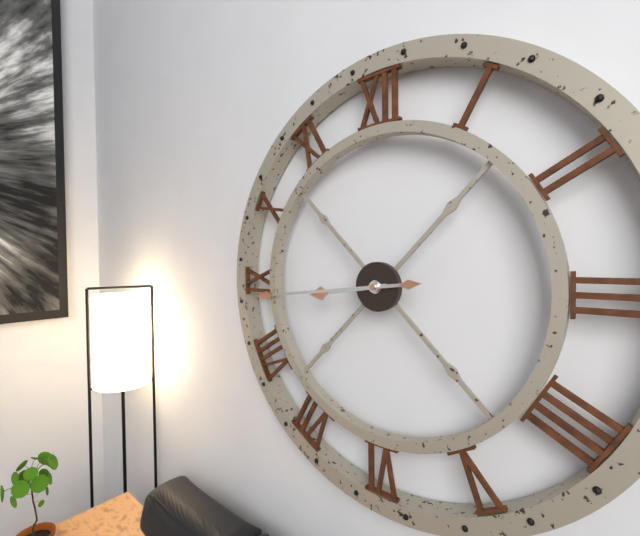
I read 8.44
